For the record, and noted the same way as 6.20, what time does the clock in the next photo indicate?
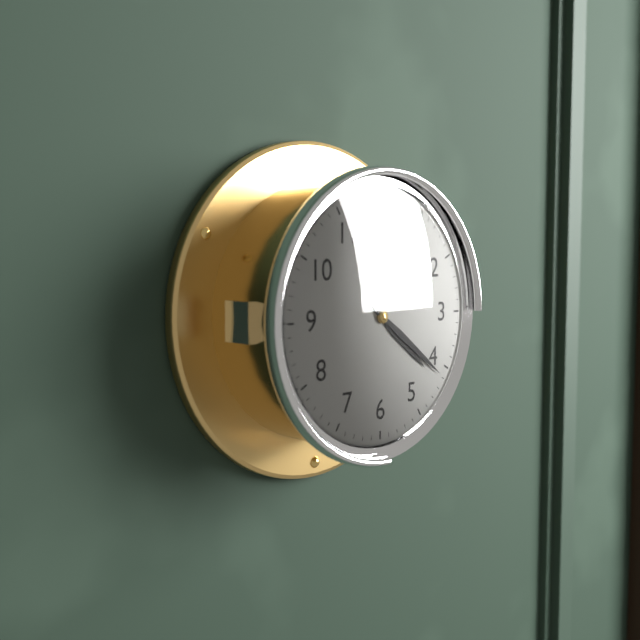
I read 4.21
